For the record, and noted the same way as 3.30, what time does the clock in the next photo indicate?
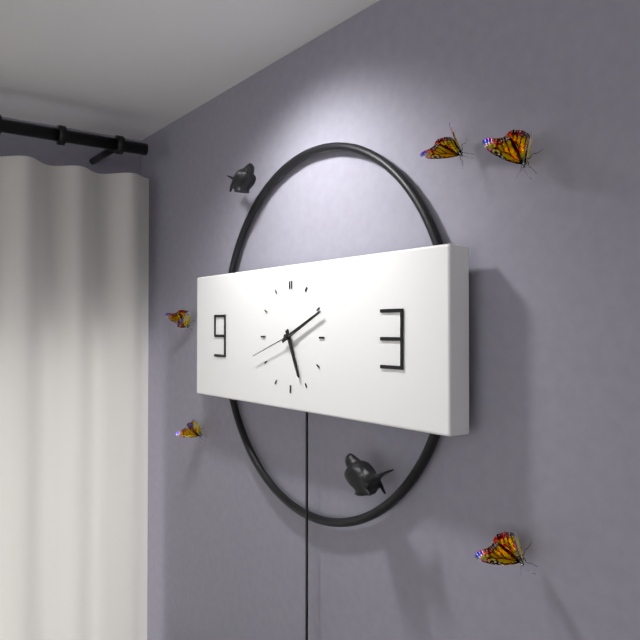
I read 5.11
